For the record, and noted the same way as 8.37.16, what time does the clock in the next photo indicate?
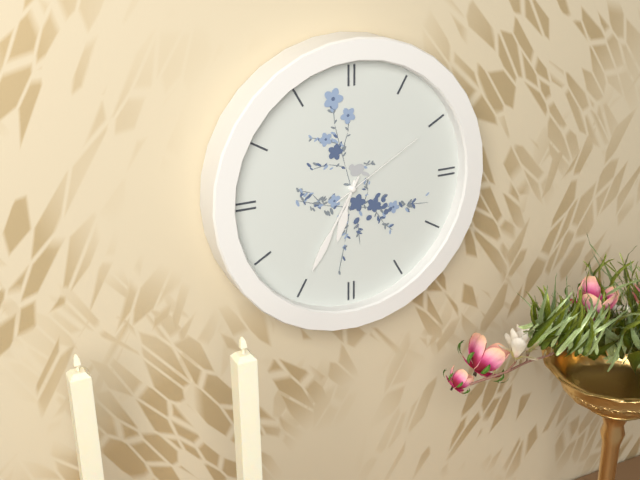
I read 6.35.10
